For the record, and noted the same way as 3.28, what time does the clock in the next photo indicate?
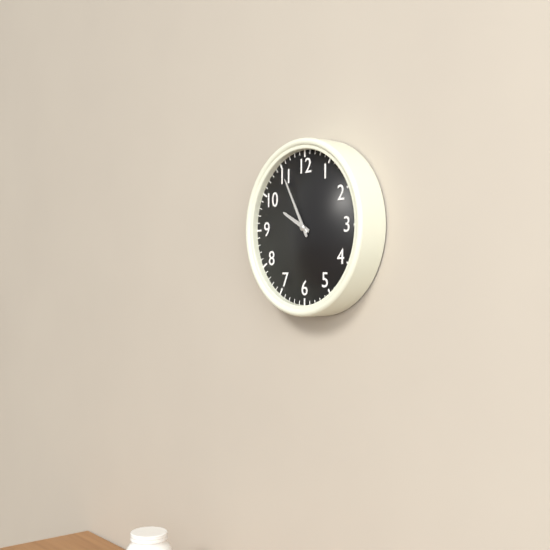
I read 9.55
